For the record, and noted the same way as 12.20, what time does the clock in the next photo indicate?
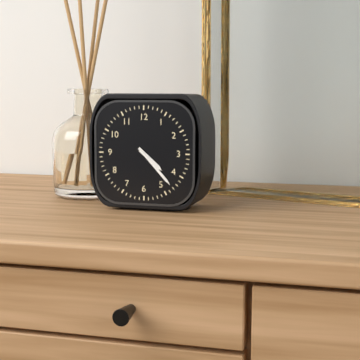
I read 4.23
